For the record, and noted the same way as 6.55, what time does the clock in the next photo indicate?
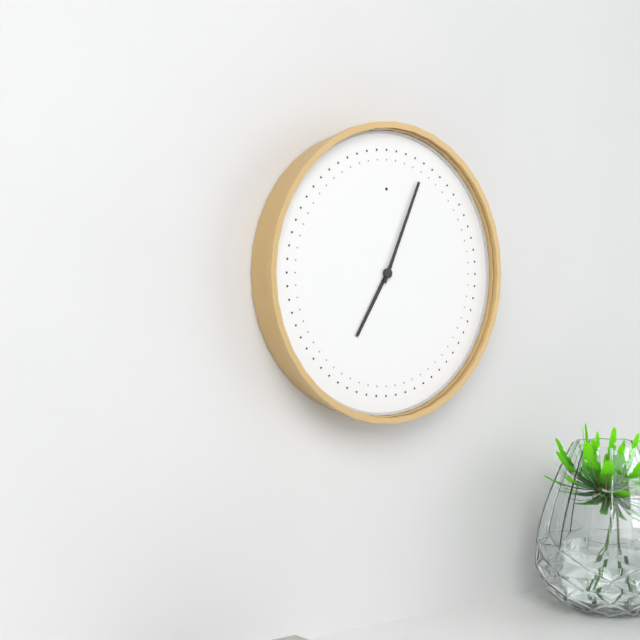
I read 7.04
